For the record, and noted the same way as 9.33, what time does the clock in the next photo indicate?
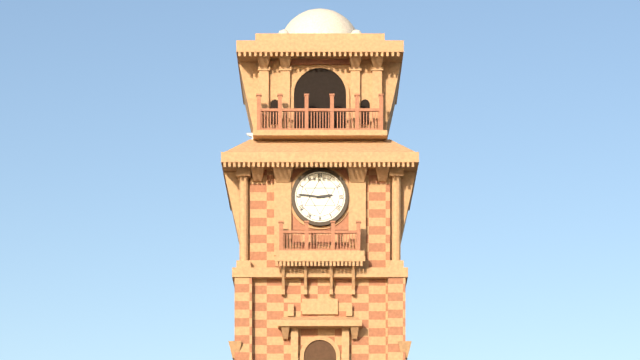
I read 2.46
